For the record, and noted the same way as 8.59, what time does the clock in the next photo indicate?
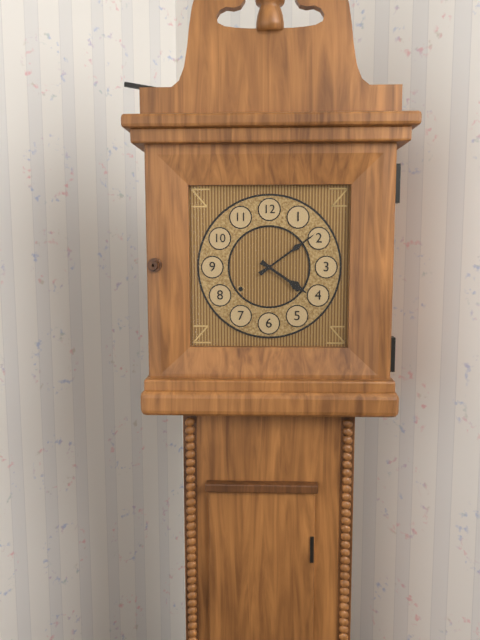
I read 4.09
